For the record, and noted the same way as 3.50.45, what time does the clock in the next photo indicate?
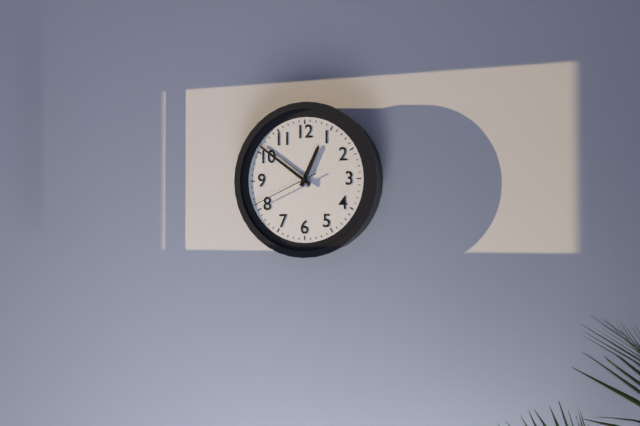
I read 12.51.41
